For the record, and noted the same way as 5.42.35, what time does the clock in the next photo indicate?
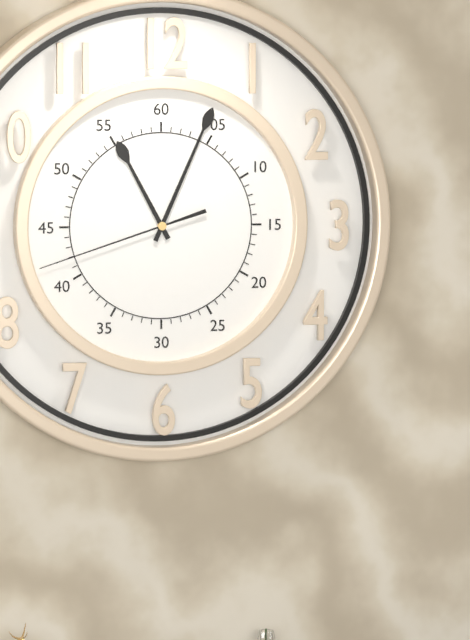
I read 11.04.42
